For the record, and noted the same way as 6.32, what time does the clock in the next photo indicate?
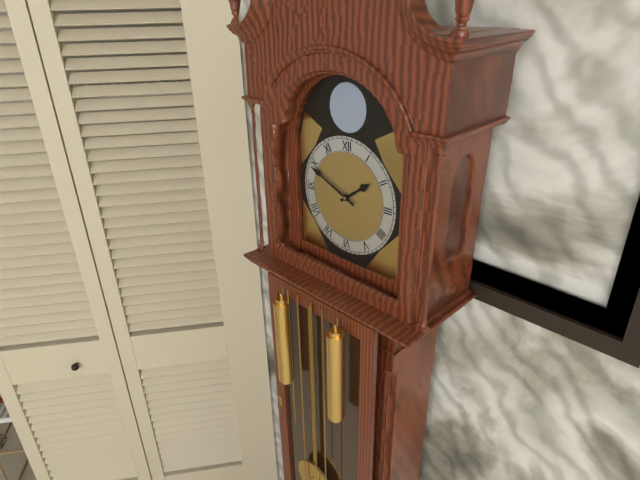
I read 1.49
